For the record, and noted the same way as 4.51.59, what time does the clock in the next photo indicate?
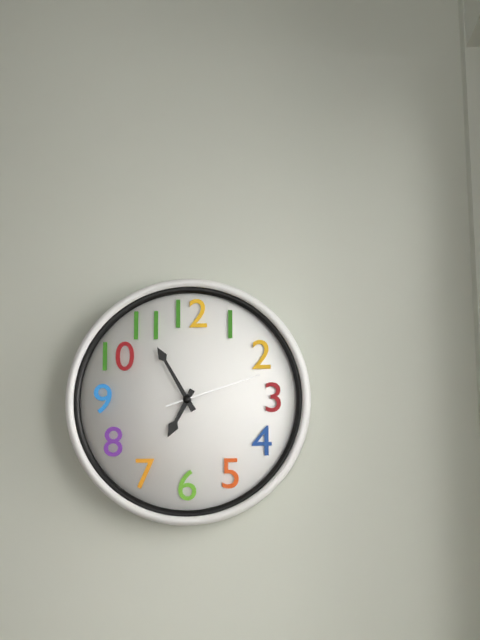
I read 6.55.12
